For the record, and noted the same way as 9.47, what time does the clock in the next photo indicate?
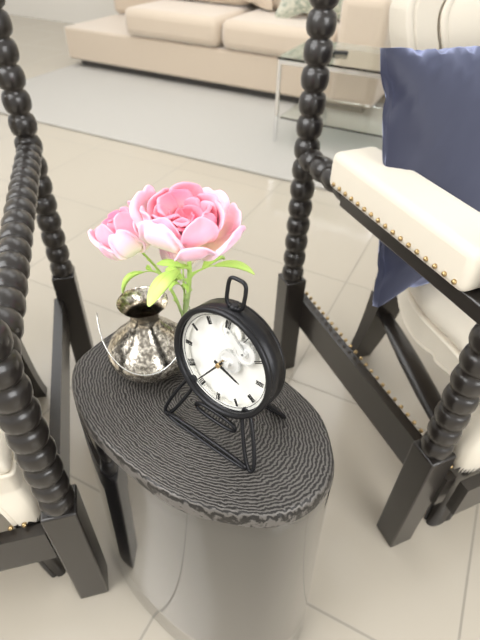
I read 3.36
